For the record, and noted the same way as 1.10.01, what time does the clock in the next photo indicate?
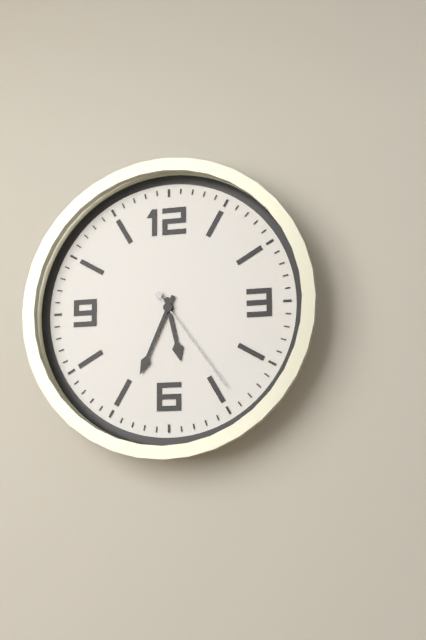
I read 5.34.24
